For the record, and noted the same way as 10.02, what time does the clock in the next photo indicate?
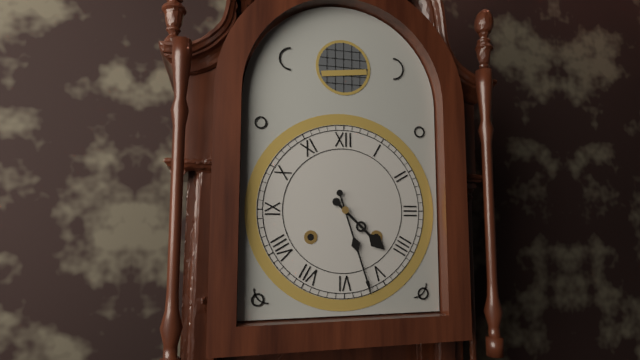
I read 4.27
